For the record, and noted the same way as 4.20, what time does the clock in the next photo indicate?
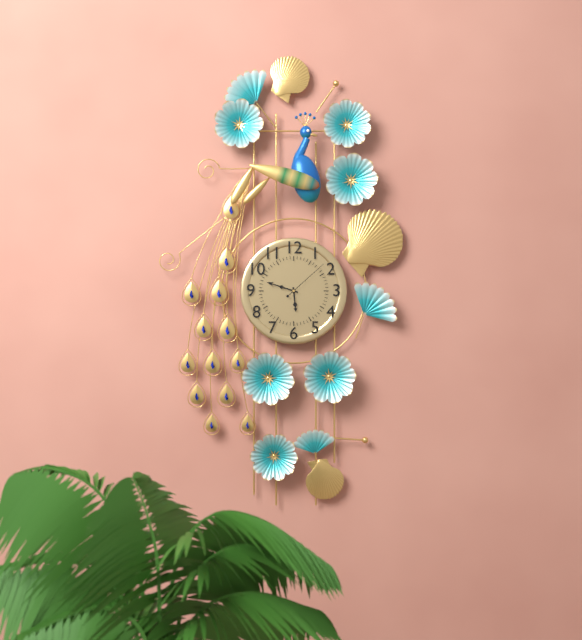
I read 5.48
